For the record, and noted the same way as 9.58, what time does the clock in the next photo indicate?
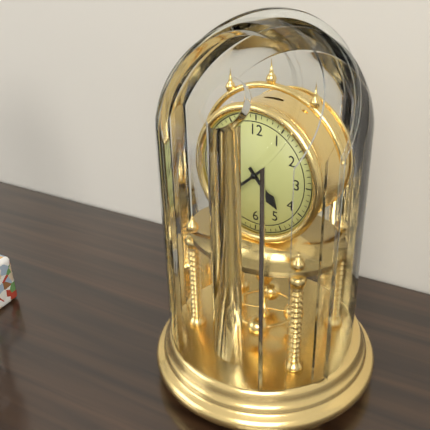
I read 4.38
